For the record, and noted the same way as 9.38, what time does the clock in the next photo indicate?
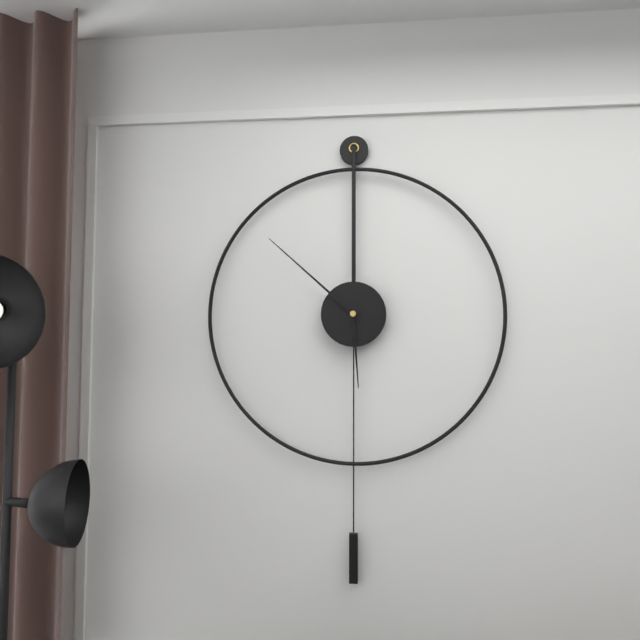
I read 5.52
